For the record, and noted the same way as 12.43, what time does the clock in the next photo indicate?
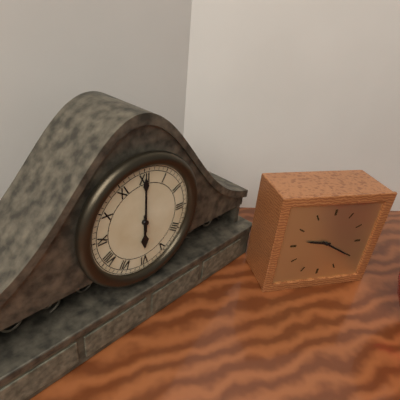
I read 6.00
